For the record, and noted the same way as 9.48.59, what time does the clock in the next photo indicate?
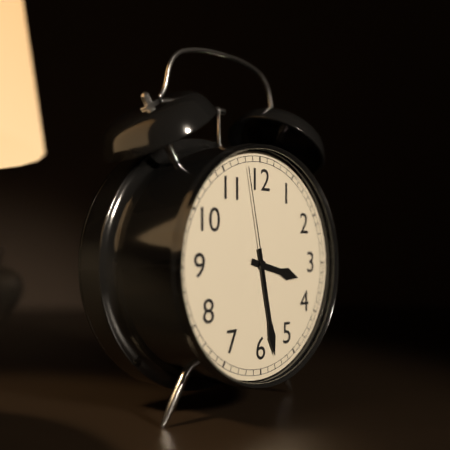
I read 3.28.58
